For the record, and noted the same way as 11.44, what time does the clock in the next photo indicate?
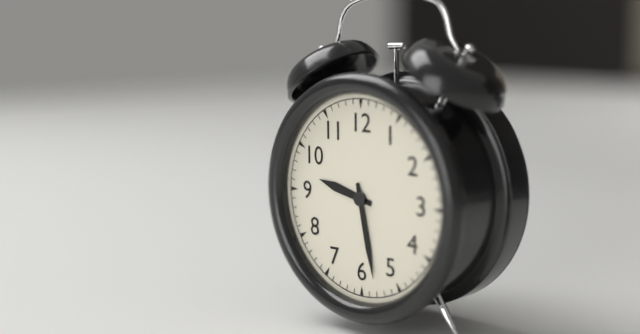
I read 9.28
